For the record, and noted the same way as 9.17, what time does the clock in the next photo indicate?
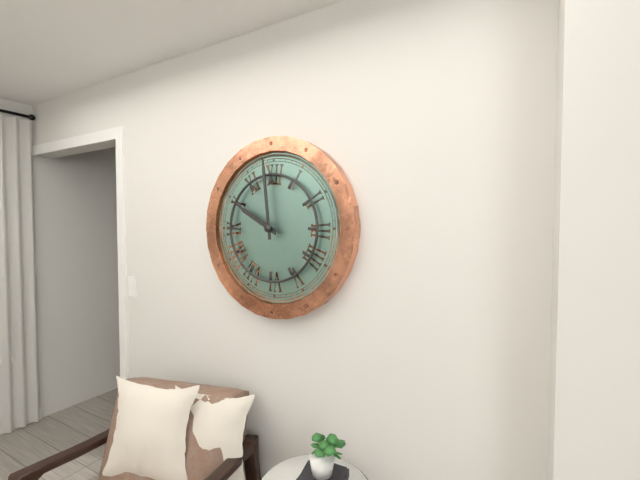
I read 9.59
